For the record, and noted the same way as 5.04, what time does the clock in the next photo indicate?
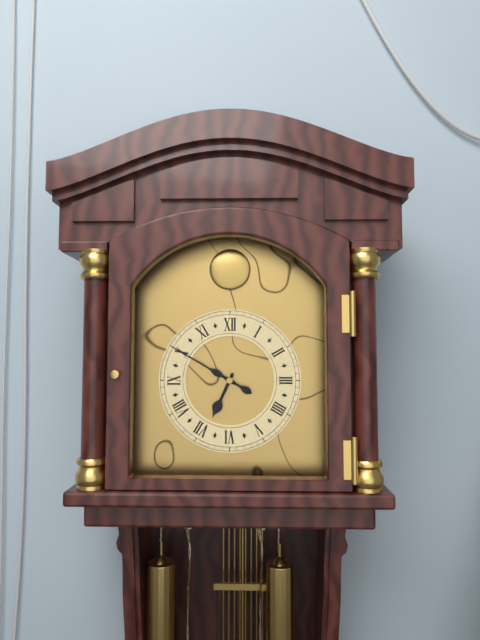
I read 6.50
